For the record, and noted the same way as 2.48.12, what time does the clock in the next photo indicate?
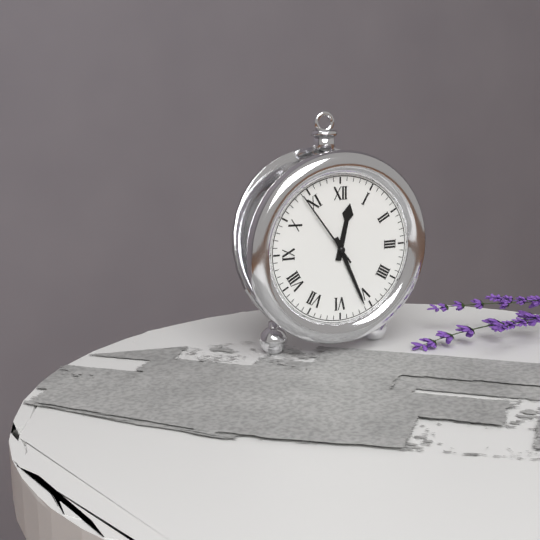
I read 12.26.54
